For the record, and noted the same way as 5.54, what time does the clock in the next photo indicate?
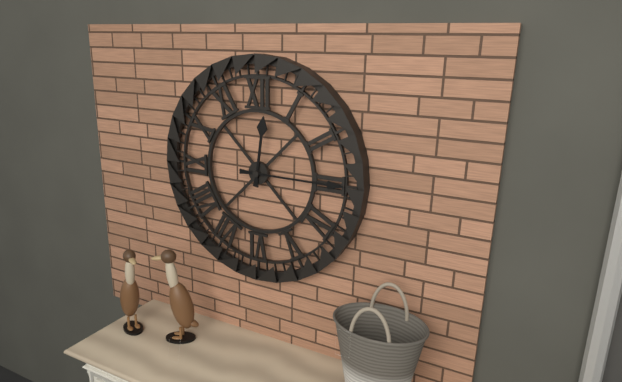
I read 12.15
